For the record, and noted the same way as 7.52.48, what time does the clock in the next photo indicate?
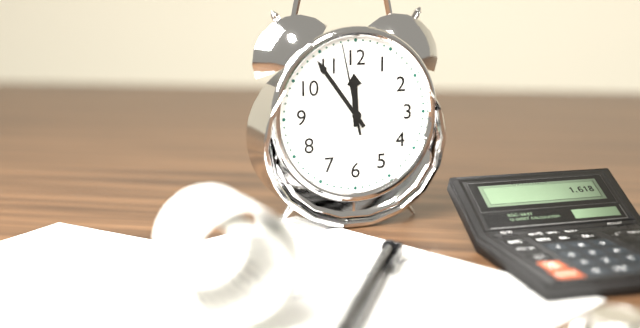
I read 11.54.58
